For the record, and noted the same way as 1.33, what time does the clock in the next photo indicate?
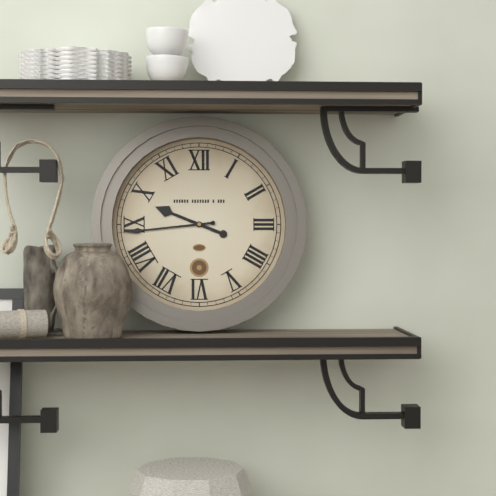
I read 9.44
